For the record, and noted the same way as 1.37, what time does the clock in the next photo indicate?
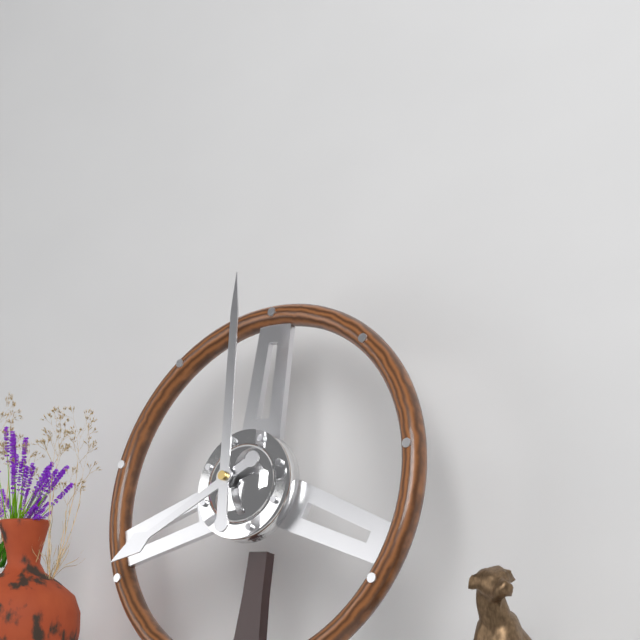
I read 7.59
